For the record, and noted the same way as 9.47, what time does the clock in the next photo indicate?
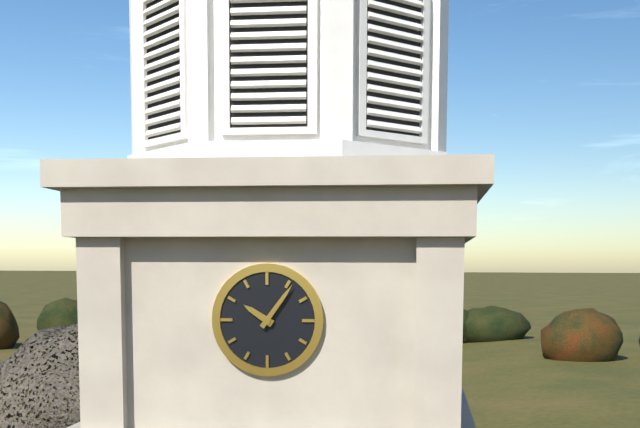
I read 10.06
